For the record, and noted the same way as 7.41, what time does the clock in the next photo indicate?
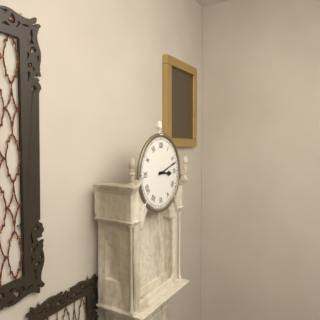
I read 3.12
